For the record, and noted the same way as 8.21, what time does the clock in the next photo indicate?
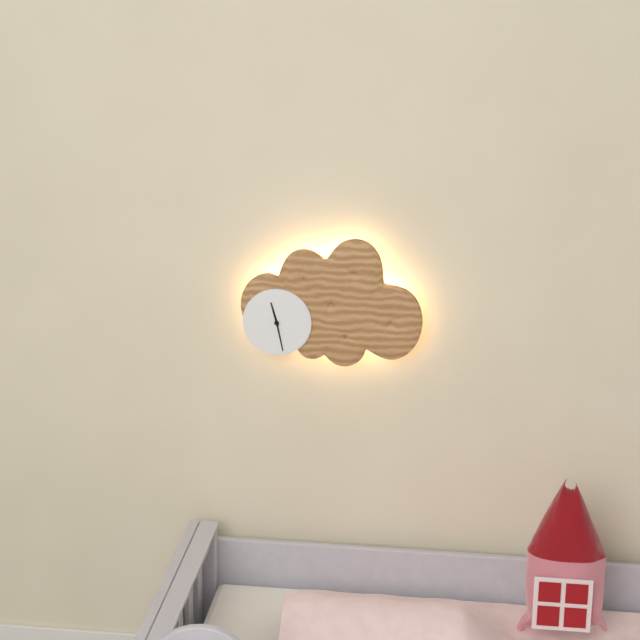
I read 11.28
